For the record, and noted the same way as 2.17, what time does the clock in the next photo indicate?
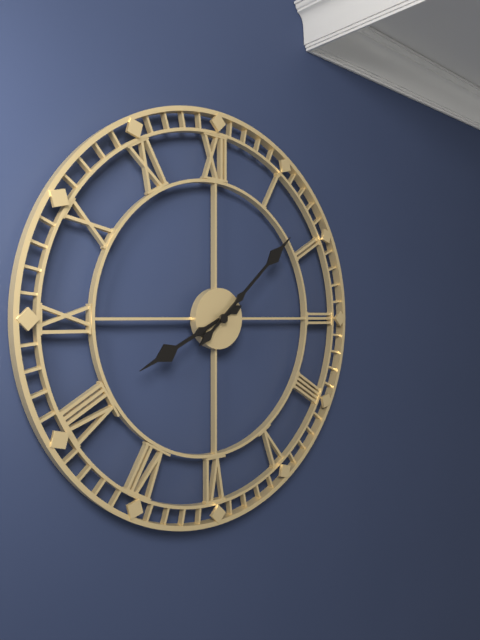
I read 8.08
